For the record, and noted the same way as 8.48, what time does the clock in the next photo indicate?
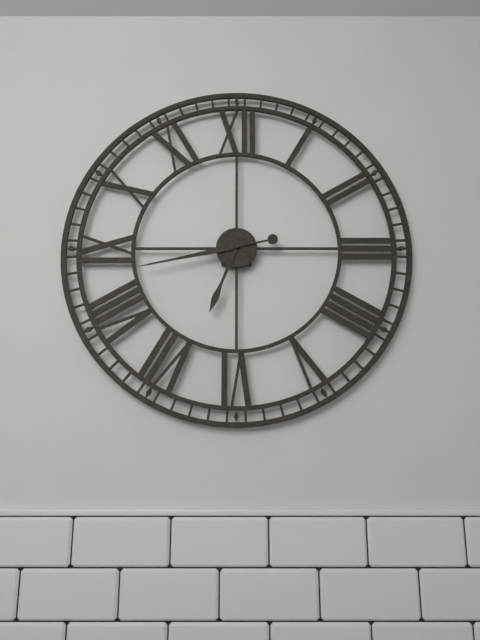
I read 6.43
